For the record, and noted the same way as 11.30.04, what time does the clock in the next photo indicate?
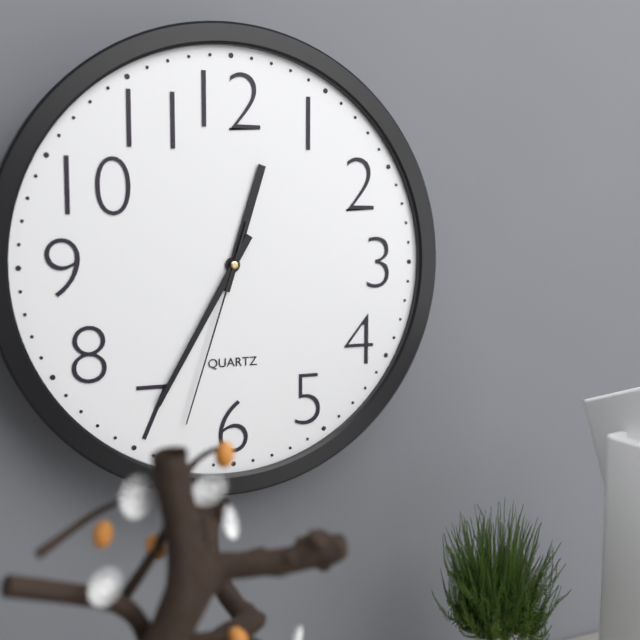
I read 12.35.33
